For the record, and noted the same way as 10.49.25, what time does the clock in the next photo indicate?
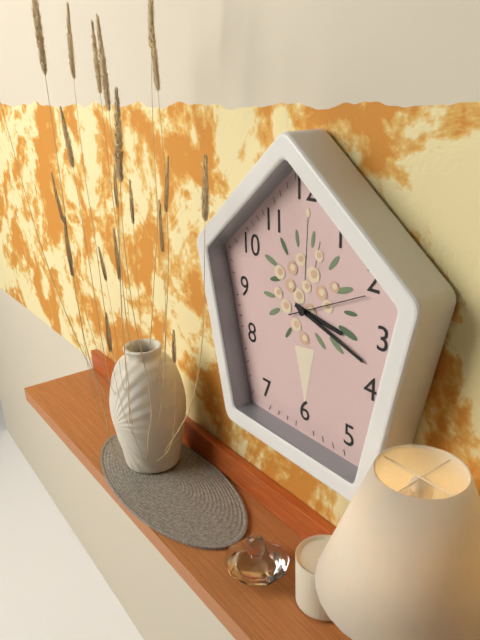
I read 3.18.11
